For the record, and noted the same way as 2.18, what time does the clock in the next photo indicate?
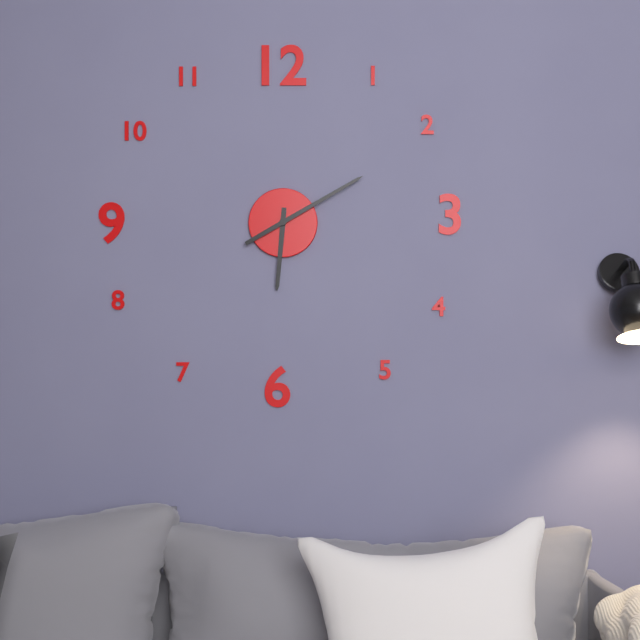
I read 6.10
